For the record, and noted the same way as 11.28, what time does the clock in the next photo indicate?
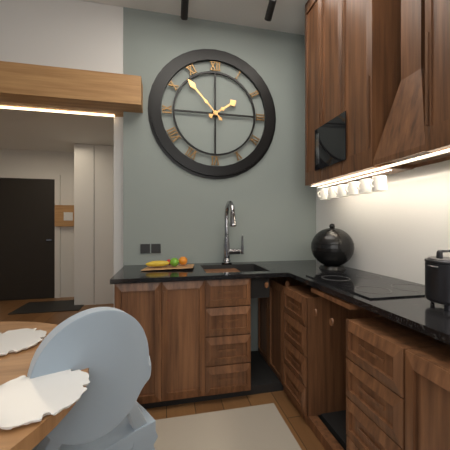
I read 1.53
